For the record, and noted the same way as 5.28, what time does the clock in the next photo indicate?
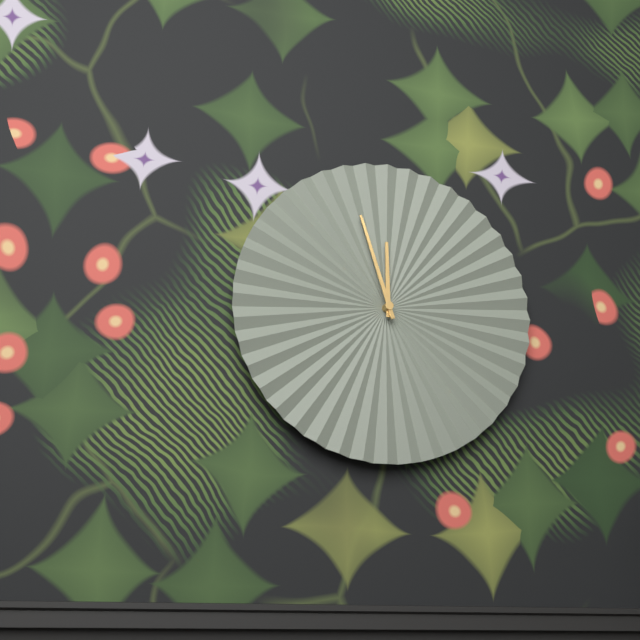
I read 11.57
